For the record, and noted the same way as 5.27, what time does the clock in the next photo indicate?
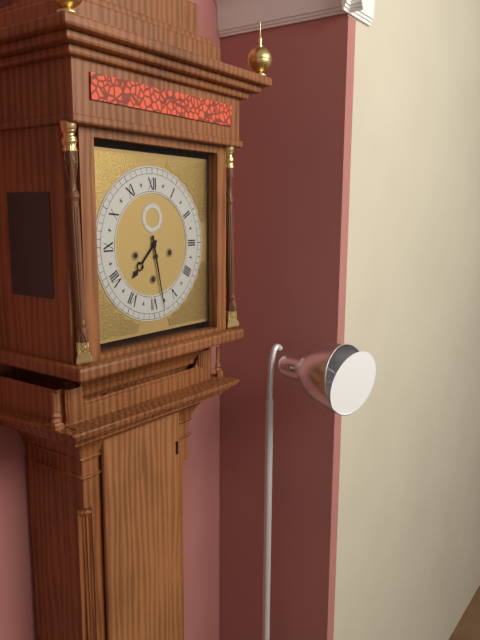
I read 7.28
